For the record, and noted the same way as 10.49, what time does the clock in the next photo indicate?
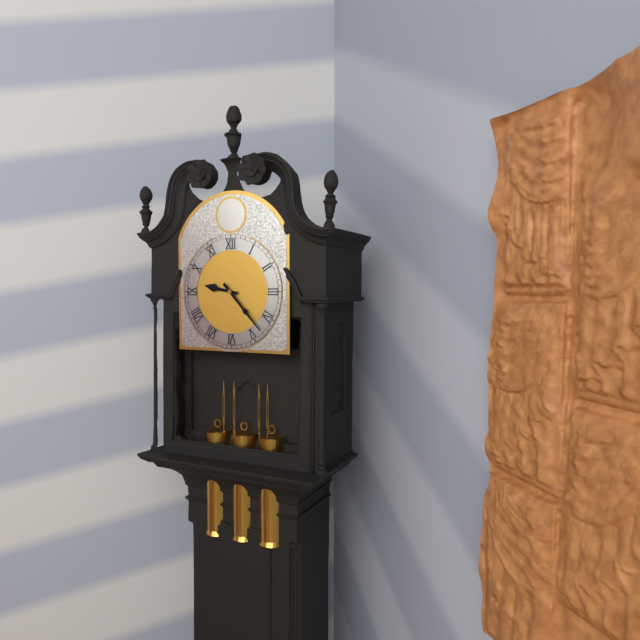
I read 9.23
